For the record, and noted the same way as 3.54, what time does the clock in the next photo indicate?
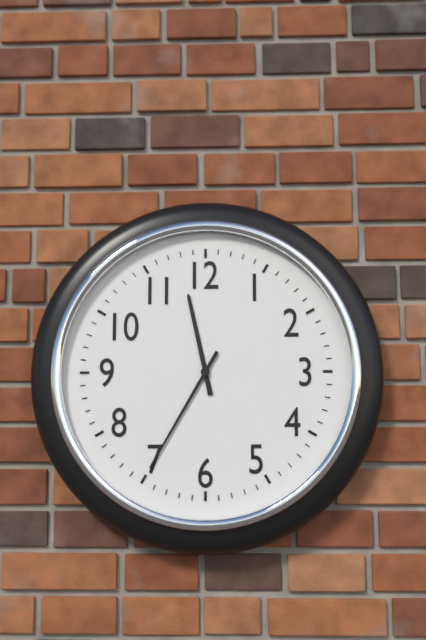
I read 11.35
